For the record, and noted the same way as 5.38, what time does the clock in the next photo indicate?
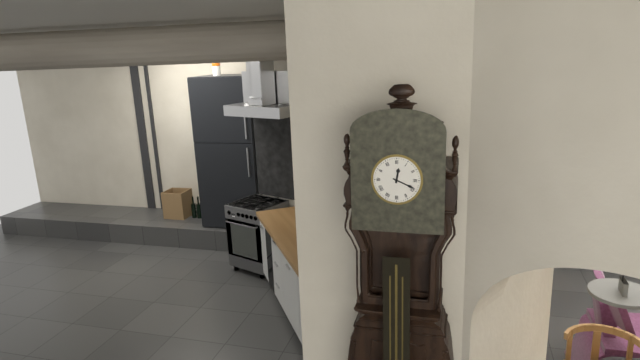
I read 12.19
